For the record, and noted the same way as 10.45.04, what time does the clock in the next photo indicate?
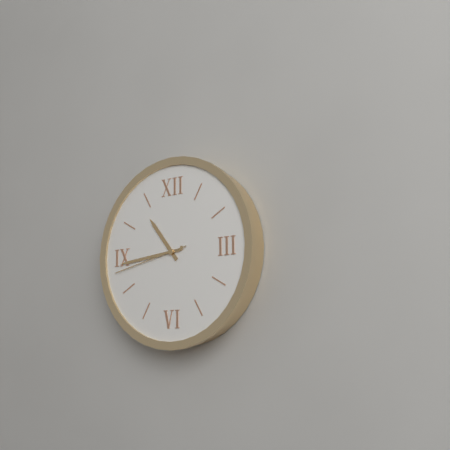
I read 10.44.43
